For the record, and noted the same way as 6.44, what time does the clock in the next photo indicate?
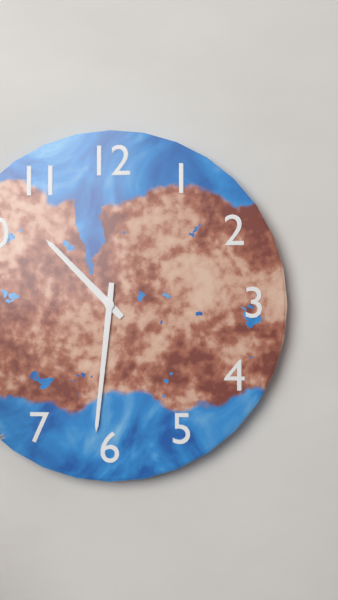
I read 10.31
